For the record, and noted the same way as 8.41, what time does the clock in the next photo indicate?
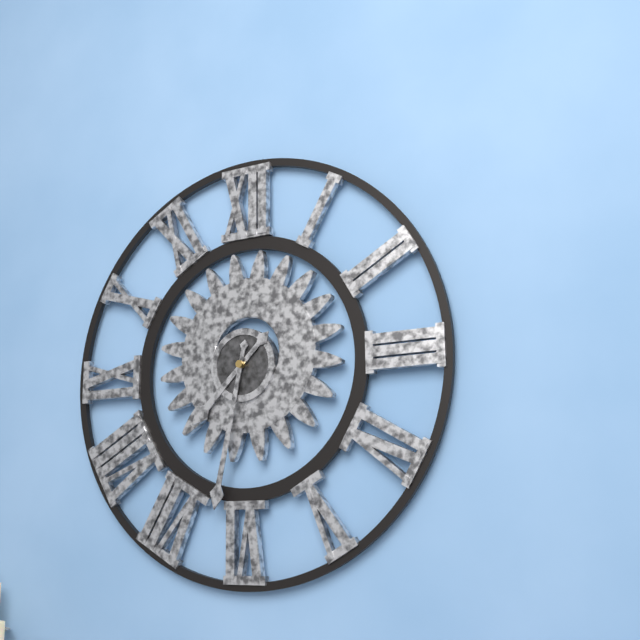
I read 7.32
